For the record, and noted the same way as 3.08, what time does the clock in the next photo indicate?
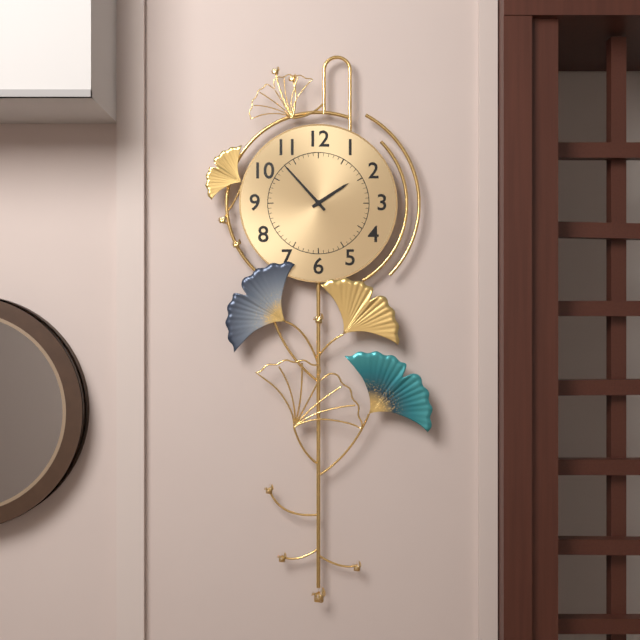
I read 1.53
